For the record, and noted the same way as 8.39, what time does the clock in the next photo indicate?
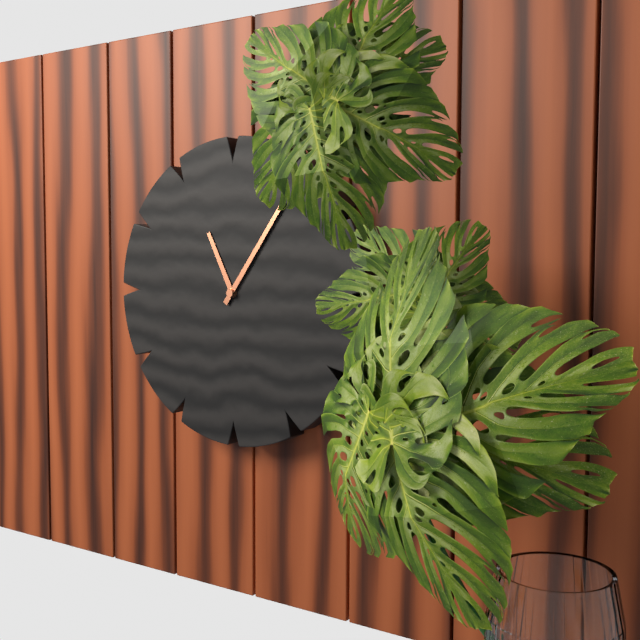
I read 11.06
